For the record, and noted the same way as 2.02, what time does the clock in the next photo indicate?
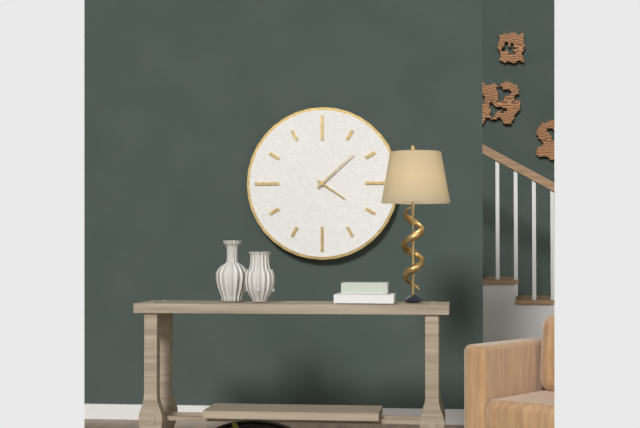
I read 4.08
